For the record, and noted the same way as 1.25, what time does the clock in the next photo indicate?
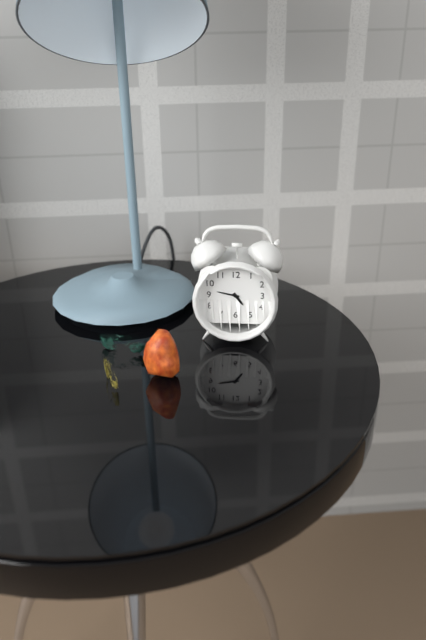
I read 4.47
